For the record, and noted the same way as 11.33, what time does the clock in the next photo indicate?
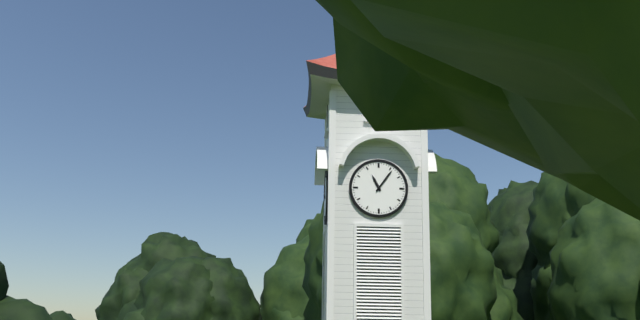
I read 11.06
